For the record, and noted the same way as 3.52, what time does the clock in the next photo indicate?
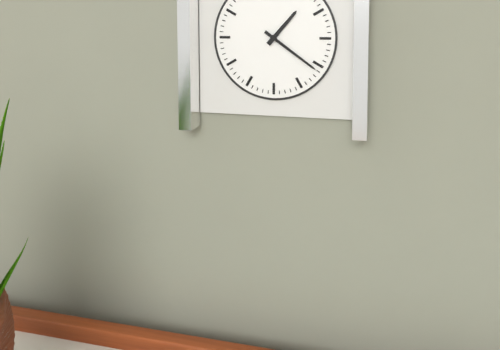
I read 1.21
